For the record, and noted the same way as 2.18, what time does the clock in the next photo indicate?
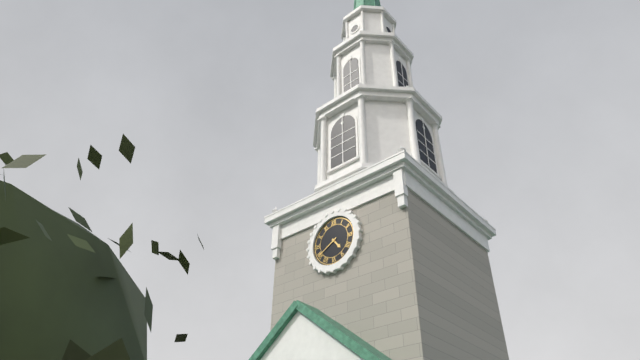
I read 4.40
